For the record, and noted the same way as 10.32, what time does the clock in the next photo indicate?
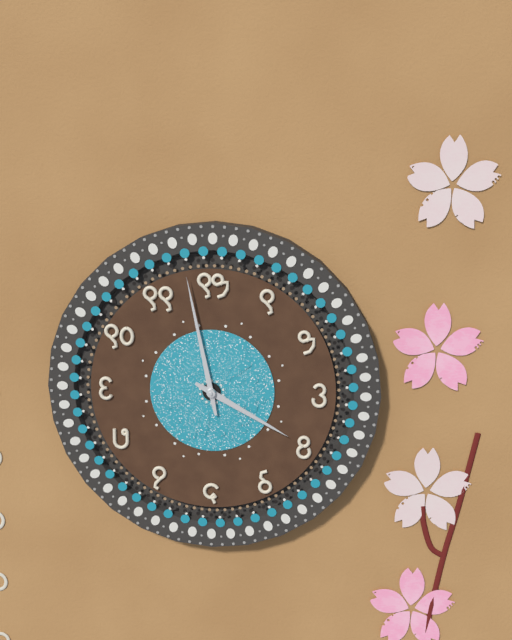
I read 3.58
